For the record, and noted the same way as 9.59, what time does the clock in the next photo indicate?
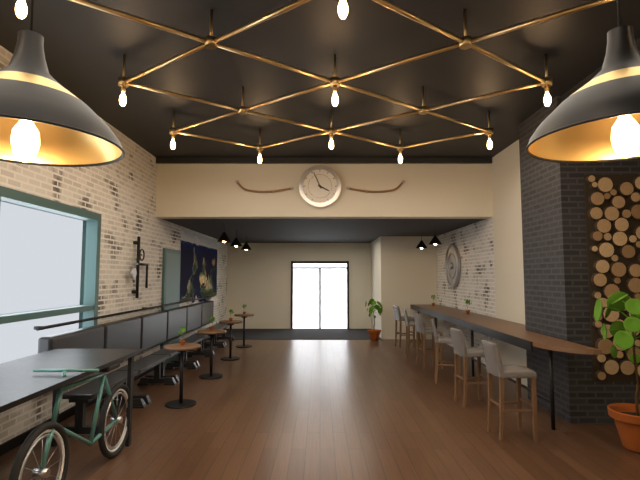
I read 3.56
